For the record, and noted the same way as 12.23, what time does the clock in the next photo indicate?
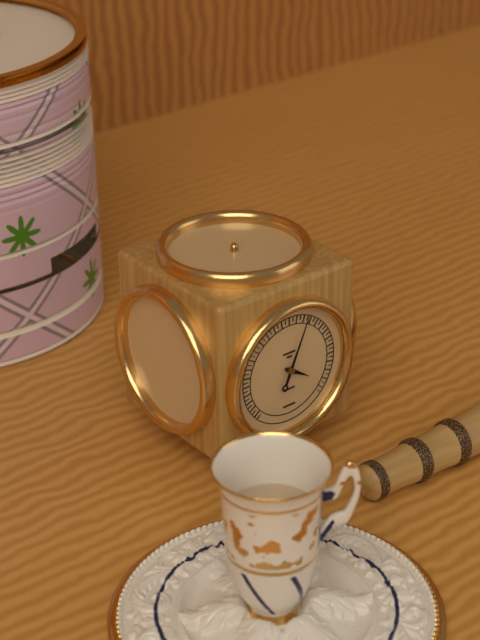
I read 4.04
